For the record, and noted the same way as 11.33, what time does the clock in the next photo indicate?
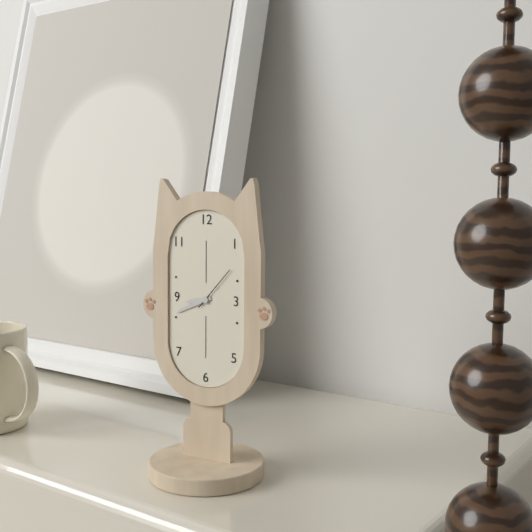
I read 8.41
